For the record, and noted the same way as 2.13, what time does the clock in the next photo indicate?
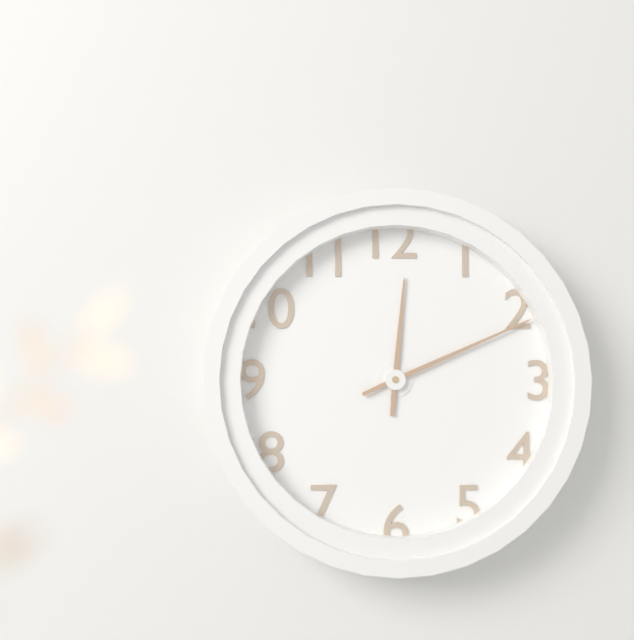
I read 12.11
